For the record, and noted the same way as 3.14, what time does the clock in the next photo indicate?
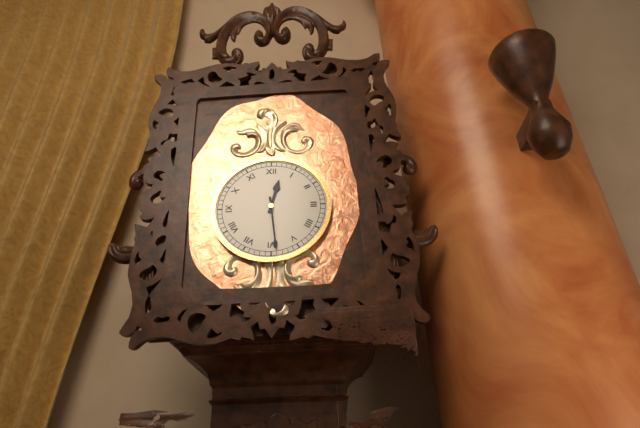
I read 12.29
